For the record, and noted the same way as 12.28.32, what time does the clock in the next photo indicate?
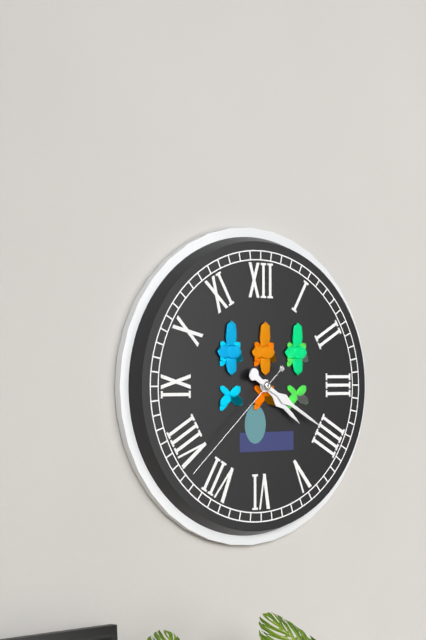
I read 4.20.38
